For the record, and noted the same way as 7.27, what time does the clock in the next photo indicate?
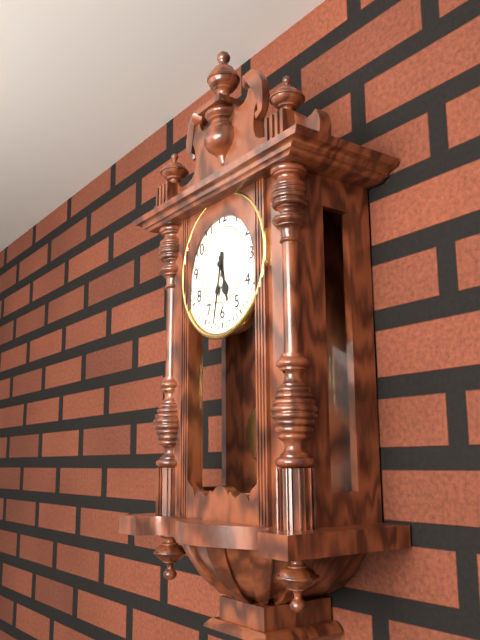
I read 5.32
